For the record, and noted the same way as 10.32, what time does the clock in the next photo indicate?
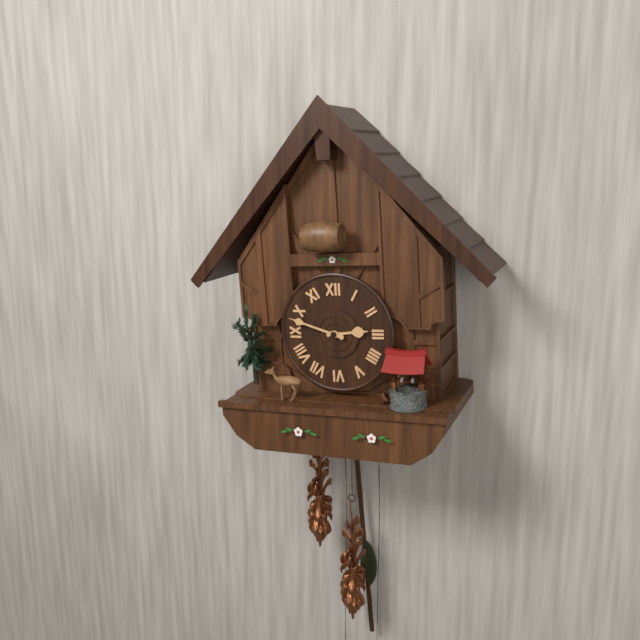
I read 2.48
